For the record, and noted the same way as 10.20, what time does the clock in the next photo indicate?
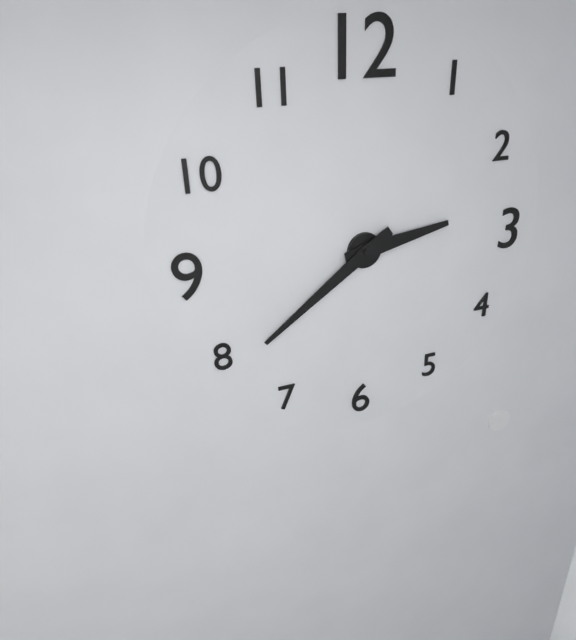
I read 2.39
